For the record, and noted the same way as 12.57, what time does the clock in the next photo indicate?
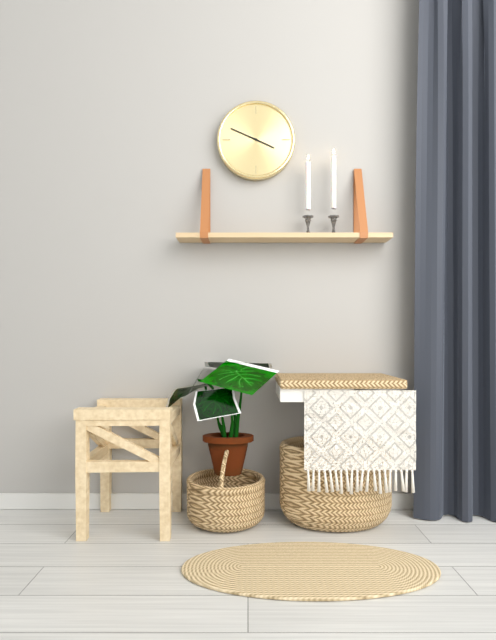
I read 3.49
